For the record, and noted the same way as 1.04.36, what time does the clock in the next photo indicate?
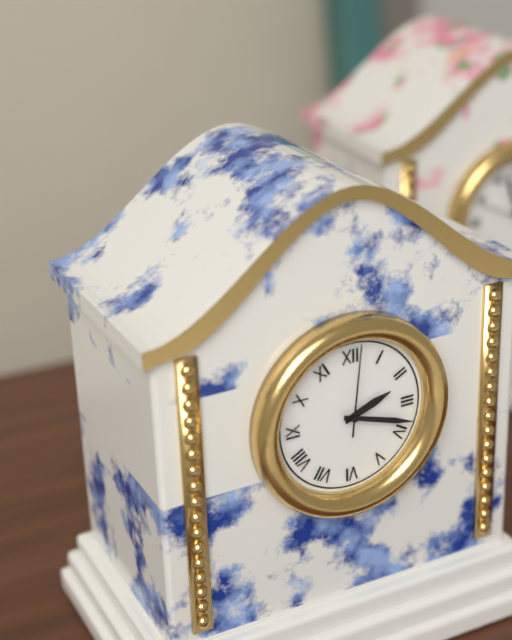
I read 2.18.01
